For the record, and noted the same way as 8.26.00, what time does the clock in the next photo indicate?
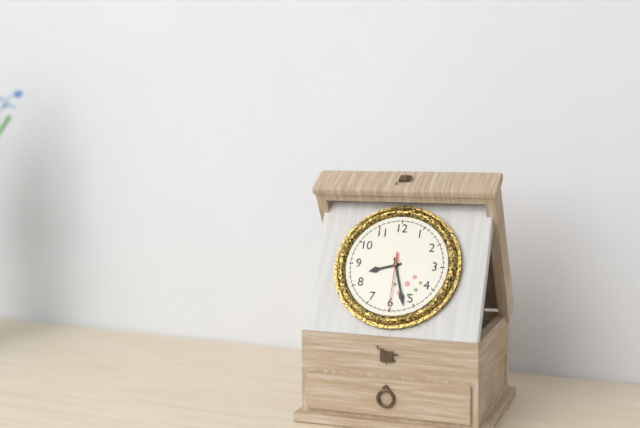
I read 8.27.30
